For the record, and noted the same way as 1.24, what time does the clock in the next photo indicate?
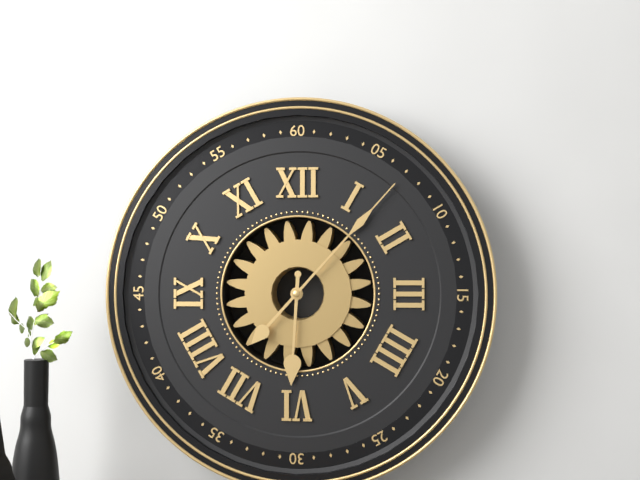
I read 6.07
